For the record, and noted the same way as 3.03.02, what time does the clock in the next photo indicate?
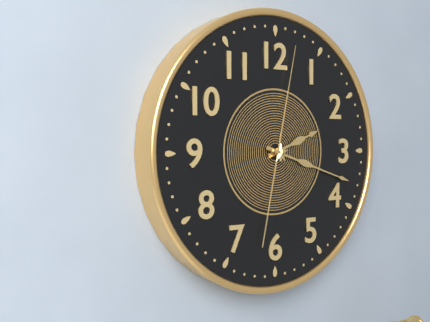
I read 2.18.02
